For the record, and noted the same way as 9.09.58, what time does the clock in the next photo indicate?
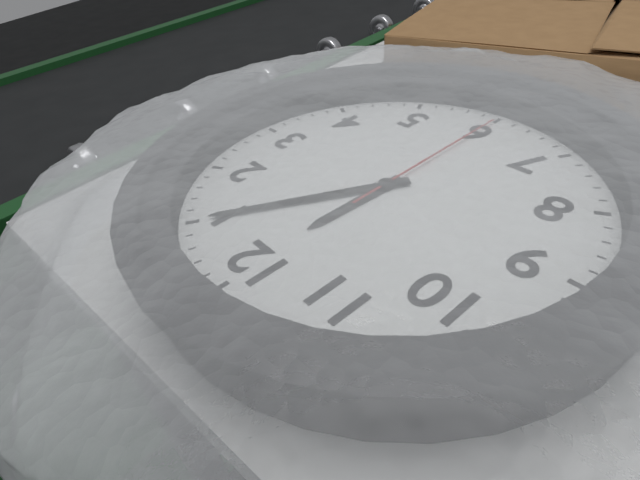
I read 12.05.30
